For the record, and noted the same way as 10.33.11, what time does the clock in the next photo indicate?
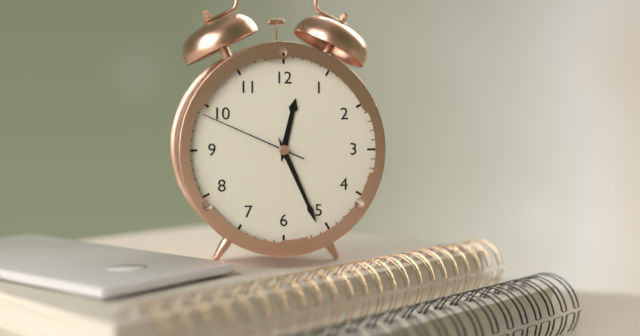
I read 12.26.49
